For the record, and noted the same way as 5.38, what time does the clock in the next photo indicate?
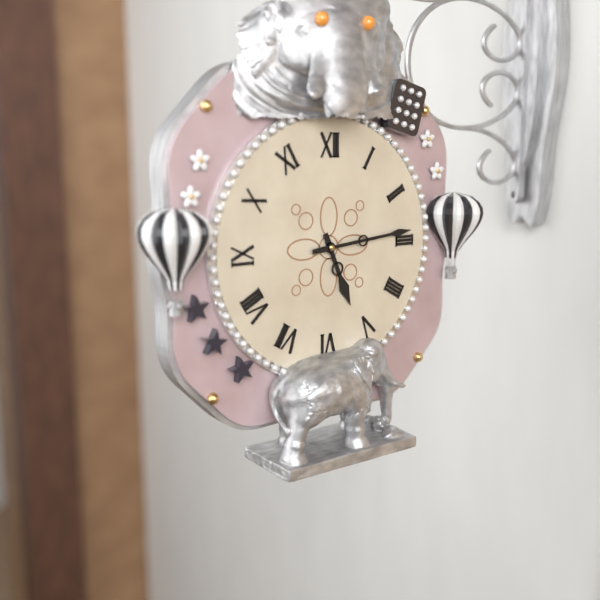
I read 5.14
